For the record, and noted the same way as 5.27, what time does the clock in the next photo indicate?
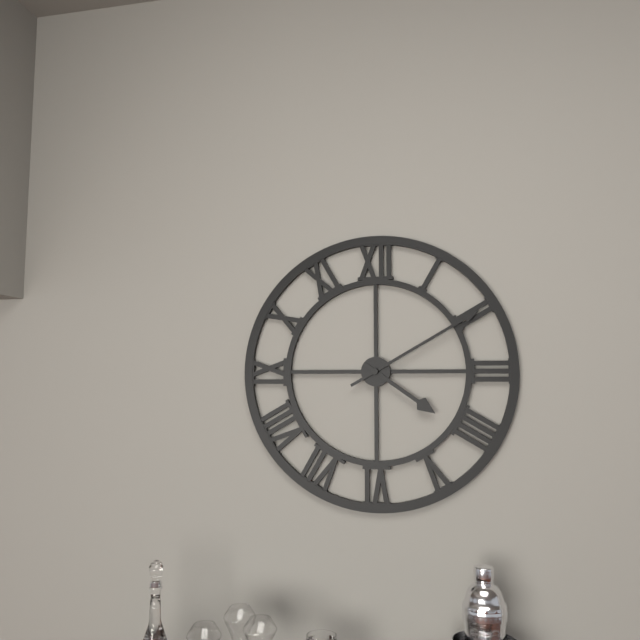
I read 4.10
